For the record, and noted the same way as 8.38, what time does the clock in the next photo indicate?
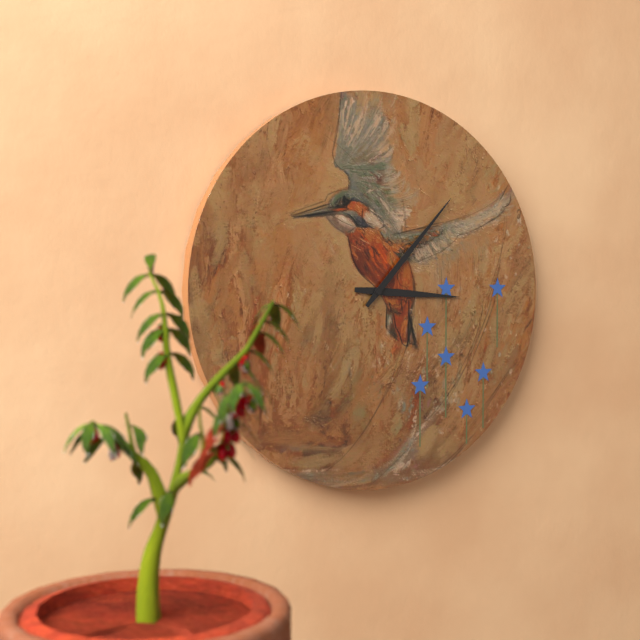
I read 3.07
